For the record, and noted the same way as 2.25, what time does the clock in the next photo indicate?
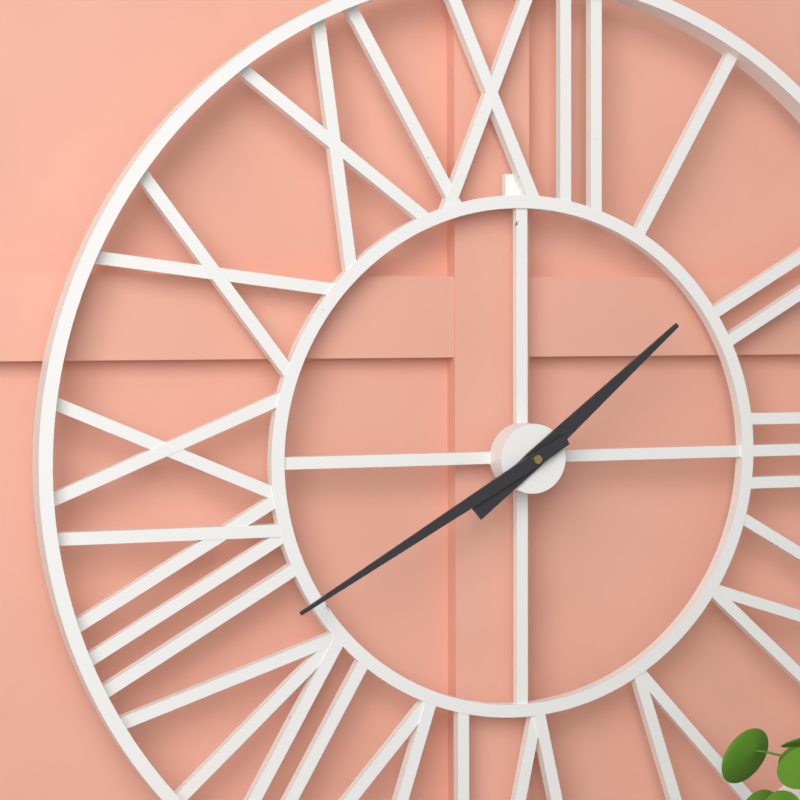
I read 1.40
